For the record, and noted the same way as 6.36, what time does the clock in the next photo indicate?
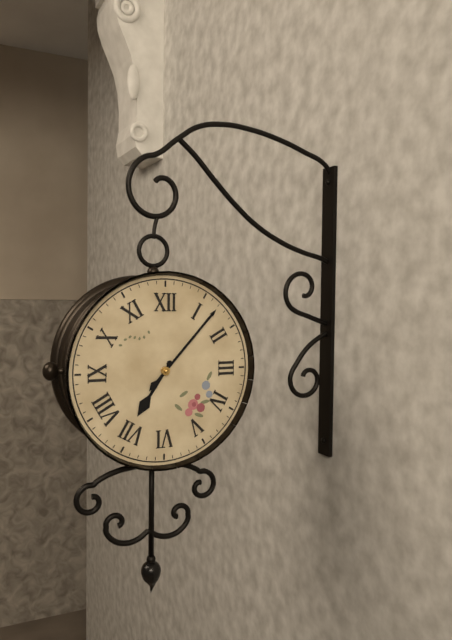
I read 7.07
